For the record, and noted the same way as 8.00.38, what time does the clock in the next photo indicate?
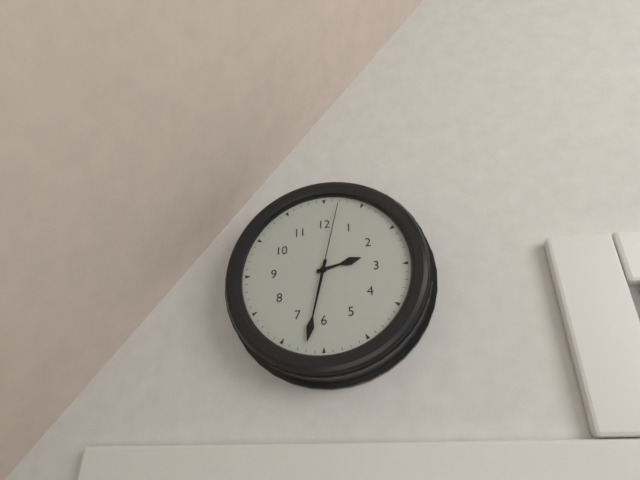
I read 2.32.02
